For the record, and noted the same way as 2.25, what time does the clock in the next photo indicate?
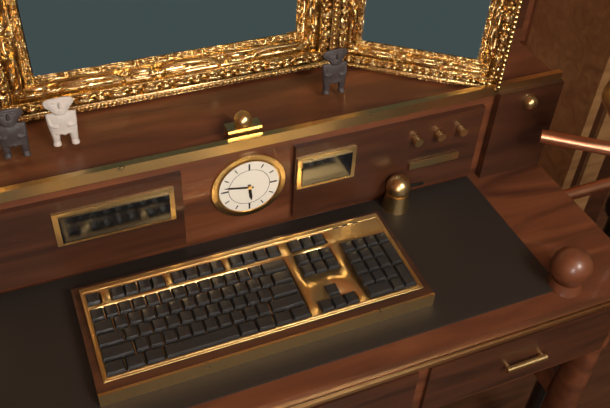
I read 5.47
